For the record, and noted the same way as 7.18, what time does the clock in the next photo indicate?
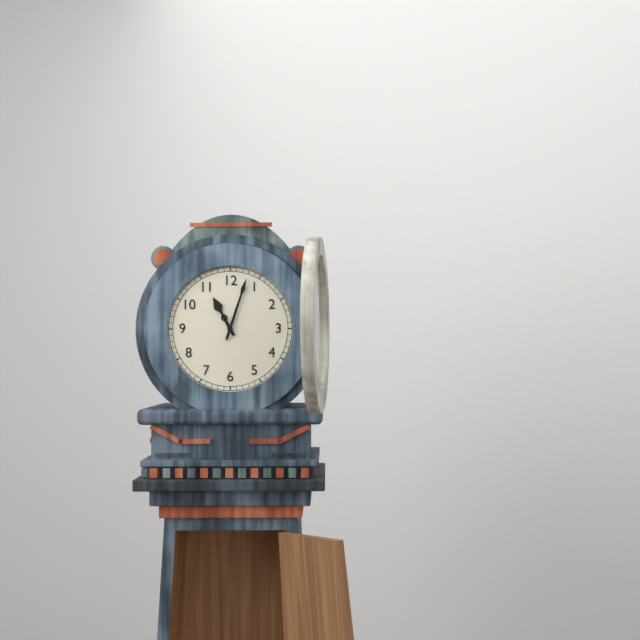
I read 11.03
